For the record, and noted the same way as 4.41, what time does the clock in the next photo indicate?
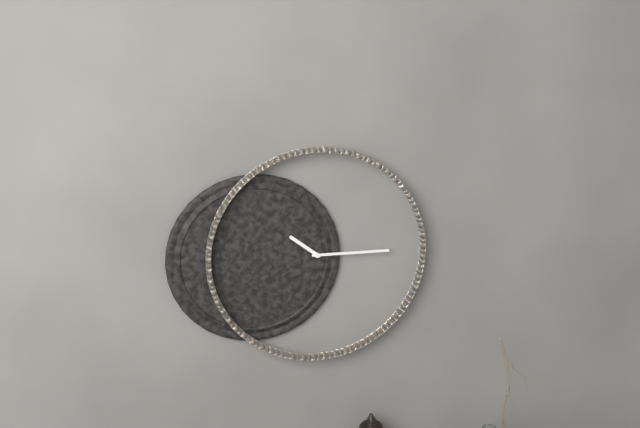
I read 10.15
